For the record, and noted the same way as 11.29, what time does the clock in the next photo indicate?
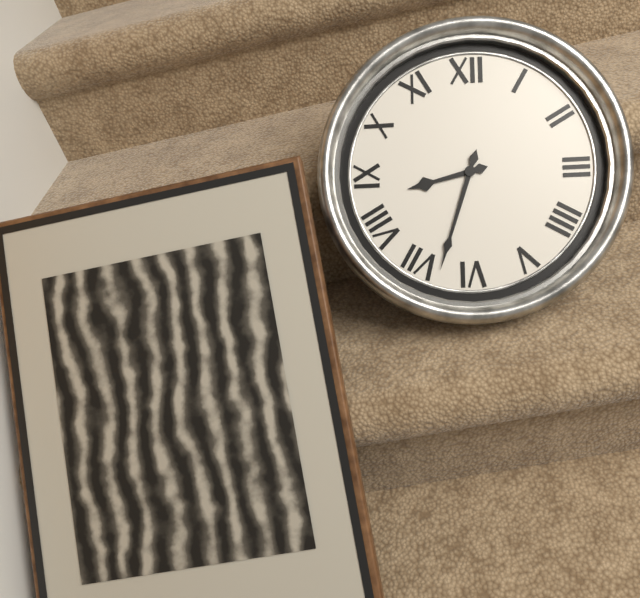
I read 8.33
